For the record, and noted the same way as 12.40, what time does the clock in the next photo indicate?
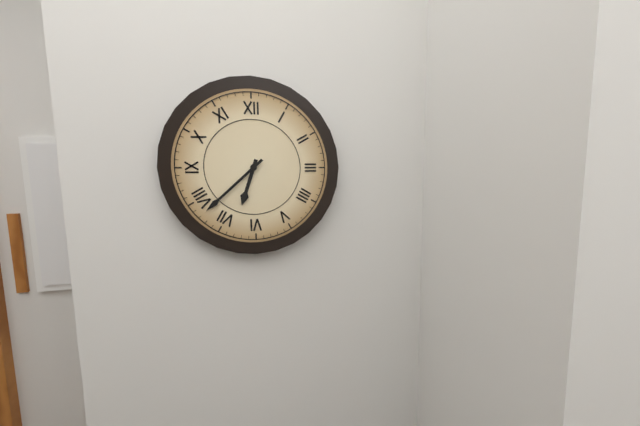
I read 6.38
